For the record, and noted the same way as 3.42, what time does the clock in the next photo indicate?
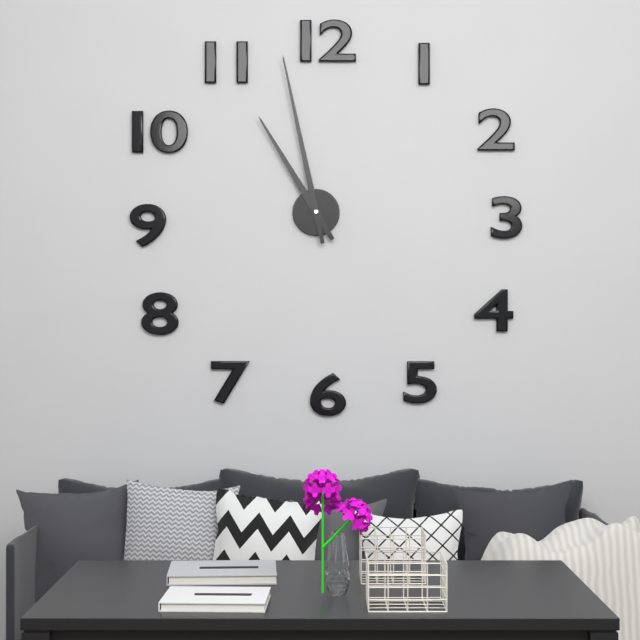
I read 10.58
